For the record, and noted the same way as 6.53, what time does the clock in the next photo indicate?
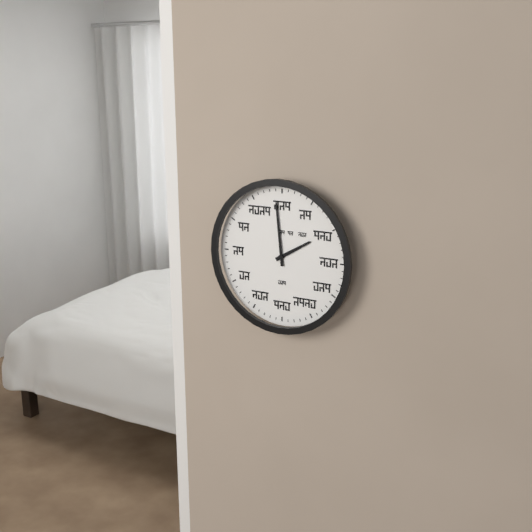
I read 1.59
